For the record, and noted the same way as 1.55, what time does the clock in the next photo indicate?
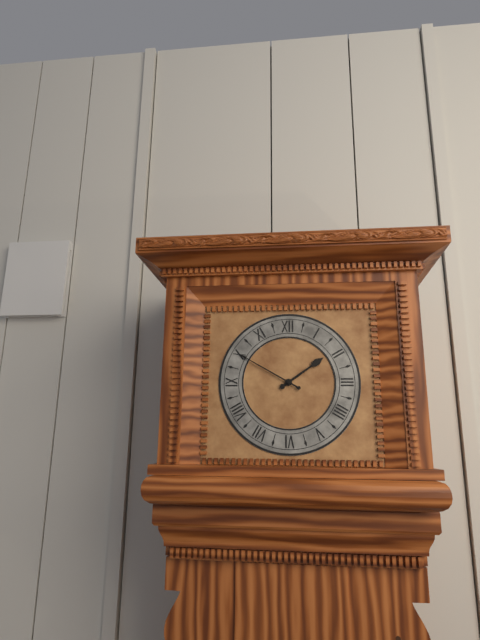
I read 1.50
